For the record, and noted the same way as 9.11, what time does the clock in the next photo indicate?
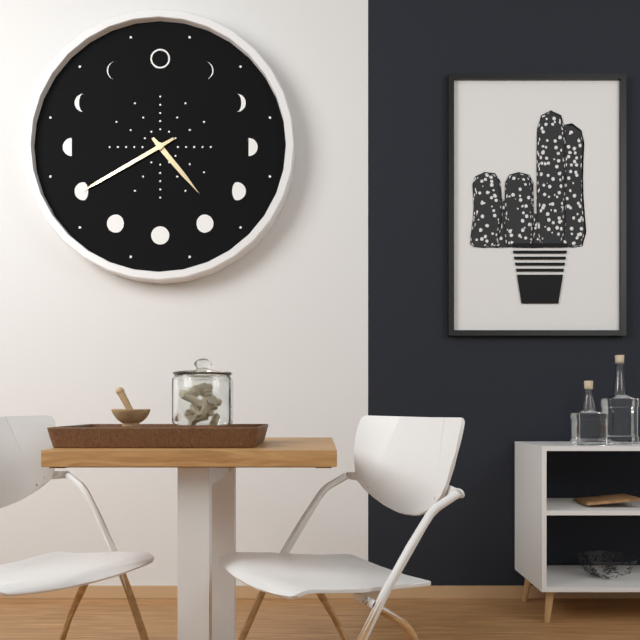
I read 4.40
